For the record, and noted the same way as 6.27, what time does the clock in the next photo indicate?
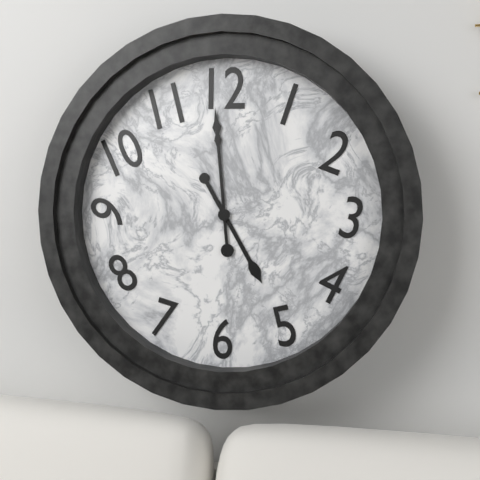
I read 4.59
